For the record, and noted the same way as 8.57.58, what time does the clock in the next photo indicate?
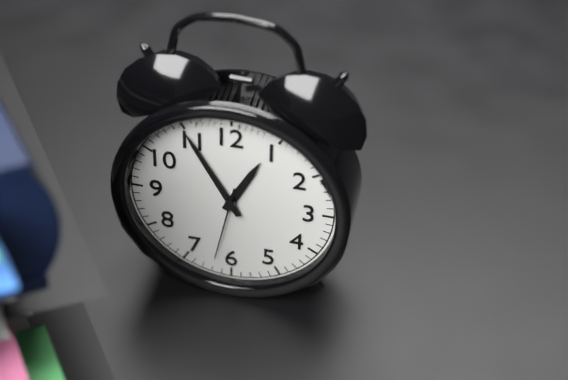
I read 12.55.32
